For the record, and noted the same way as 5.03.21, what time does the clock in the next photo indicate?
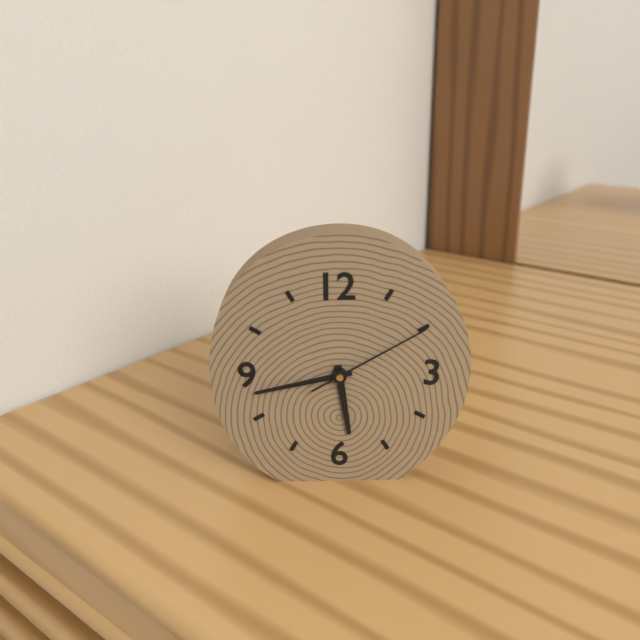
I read 5.43.10
